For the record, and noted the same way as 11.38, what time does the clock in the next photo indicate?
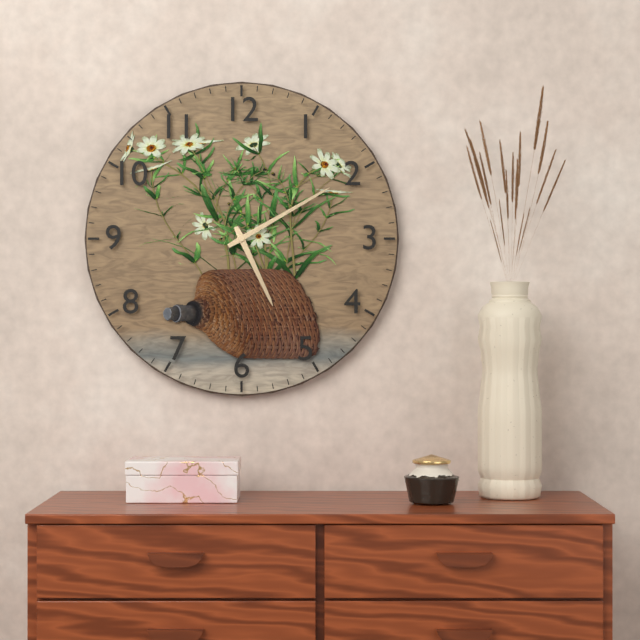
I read 5.10
